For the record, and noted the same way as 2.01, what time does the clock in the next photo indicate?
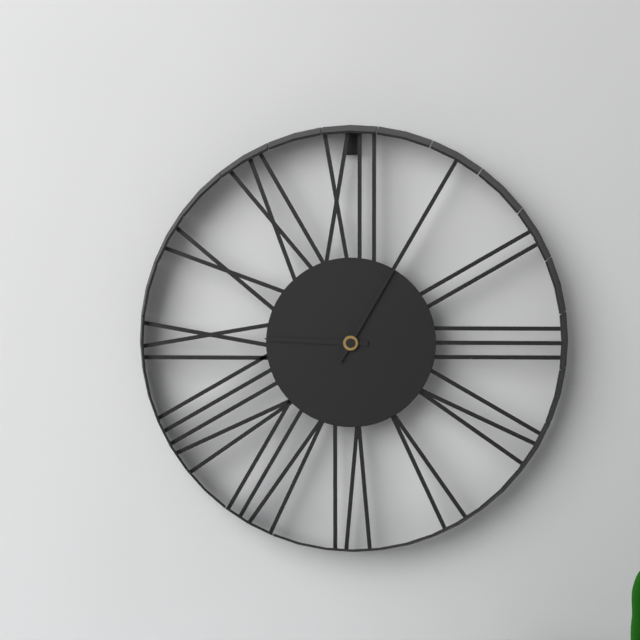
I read 9.05
